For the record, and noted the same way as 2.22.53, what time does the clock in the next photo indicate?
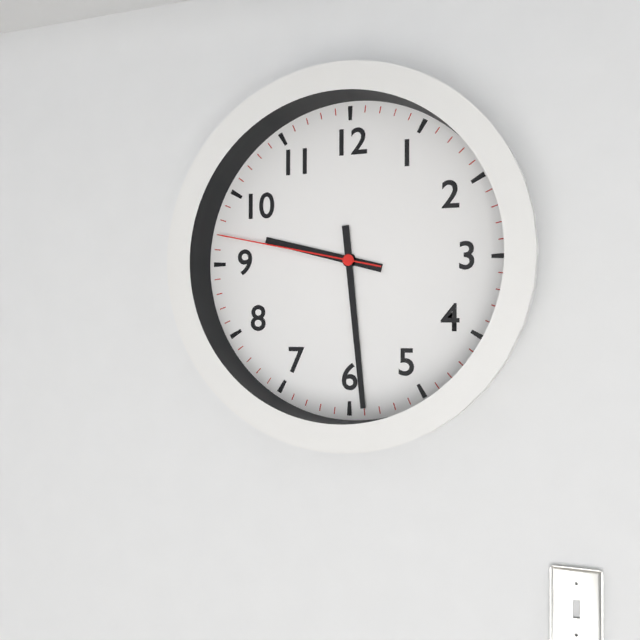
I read 9.29.47
